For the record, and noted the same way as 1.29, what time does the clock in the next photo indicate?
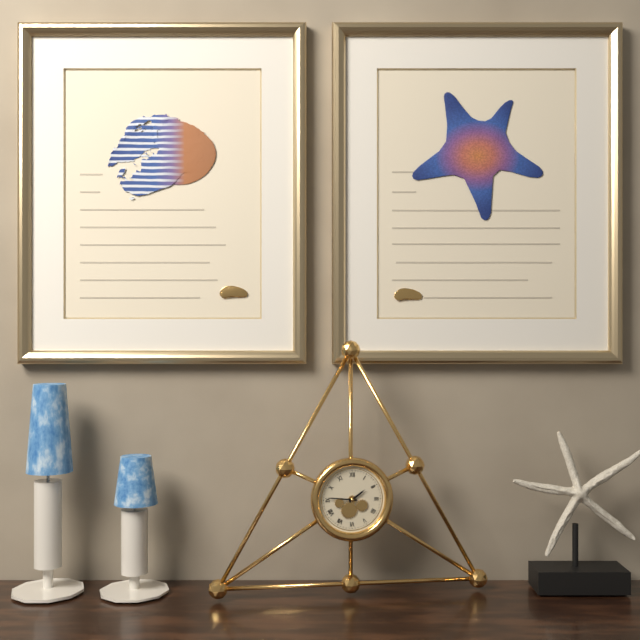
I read 1.46
